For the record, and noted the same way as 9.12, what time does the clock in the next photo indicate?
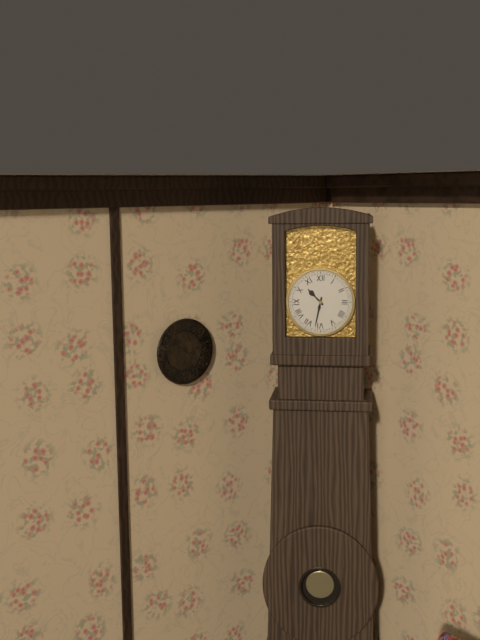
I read 10.32
